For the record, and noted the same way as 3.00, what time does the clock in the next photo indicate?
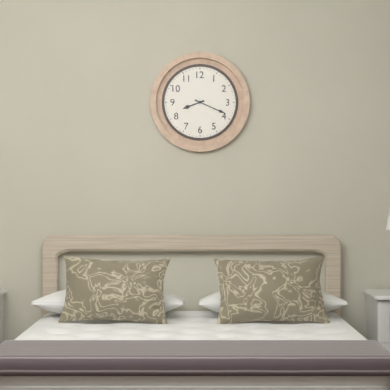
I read 8.19
